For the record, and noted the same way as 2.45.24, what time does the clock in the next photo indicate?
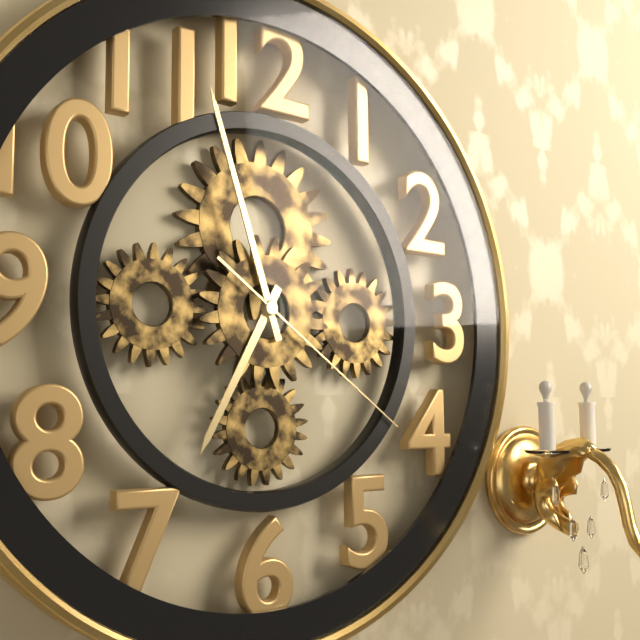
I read 6.57.21
